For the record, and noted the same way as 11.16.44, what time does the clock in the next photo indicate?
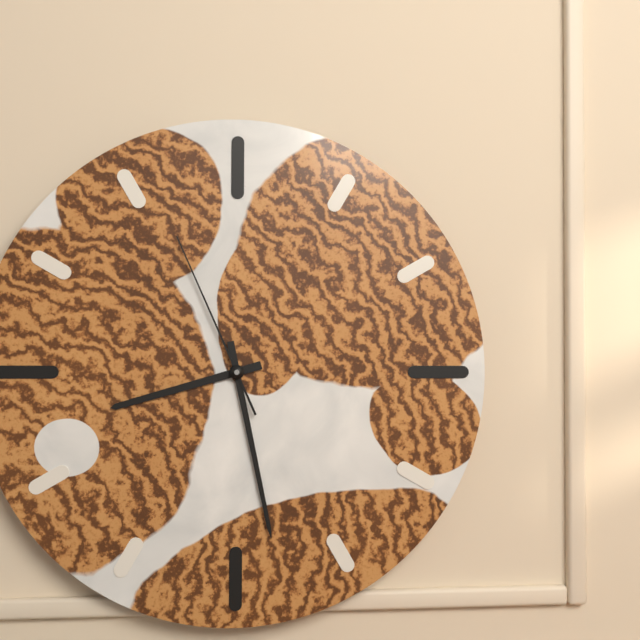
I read 8.28.56
